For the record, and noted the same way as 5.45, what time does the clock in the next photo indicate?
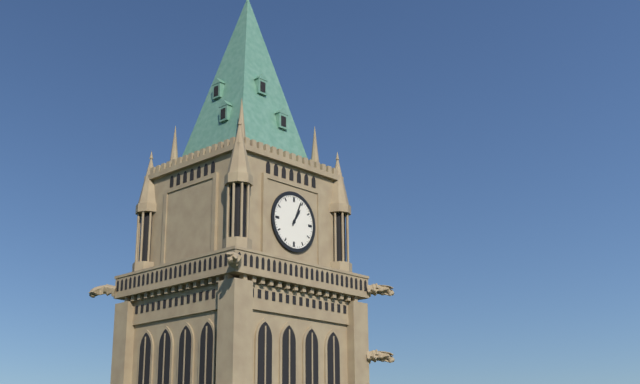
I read 1.04
